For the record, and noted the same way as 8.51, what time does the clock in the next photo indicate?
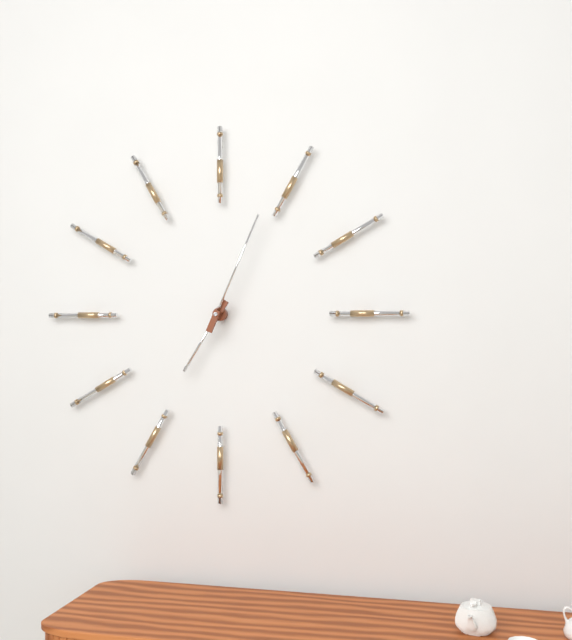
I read 7.04
